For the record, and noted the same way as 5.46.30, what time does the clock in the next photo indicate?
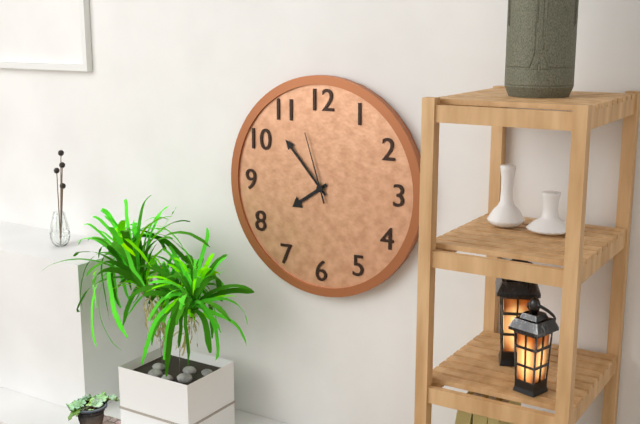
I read 7.53.57
